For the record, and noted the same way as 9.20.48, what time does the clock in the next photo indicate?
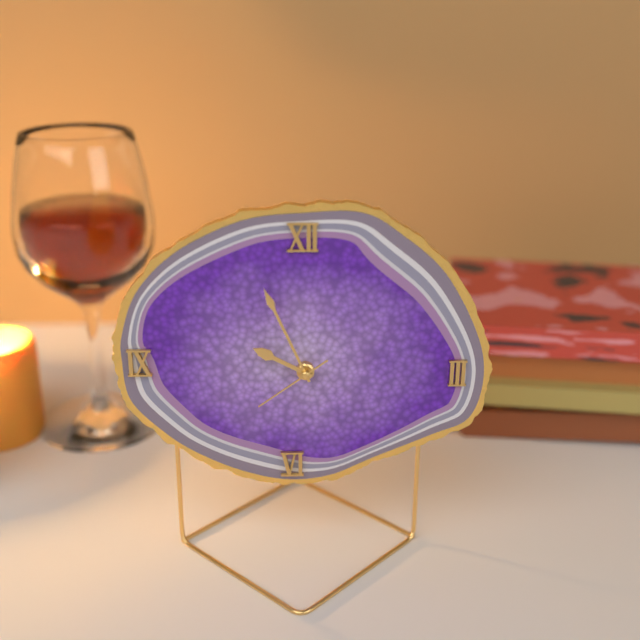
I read 9.56.39
